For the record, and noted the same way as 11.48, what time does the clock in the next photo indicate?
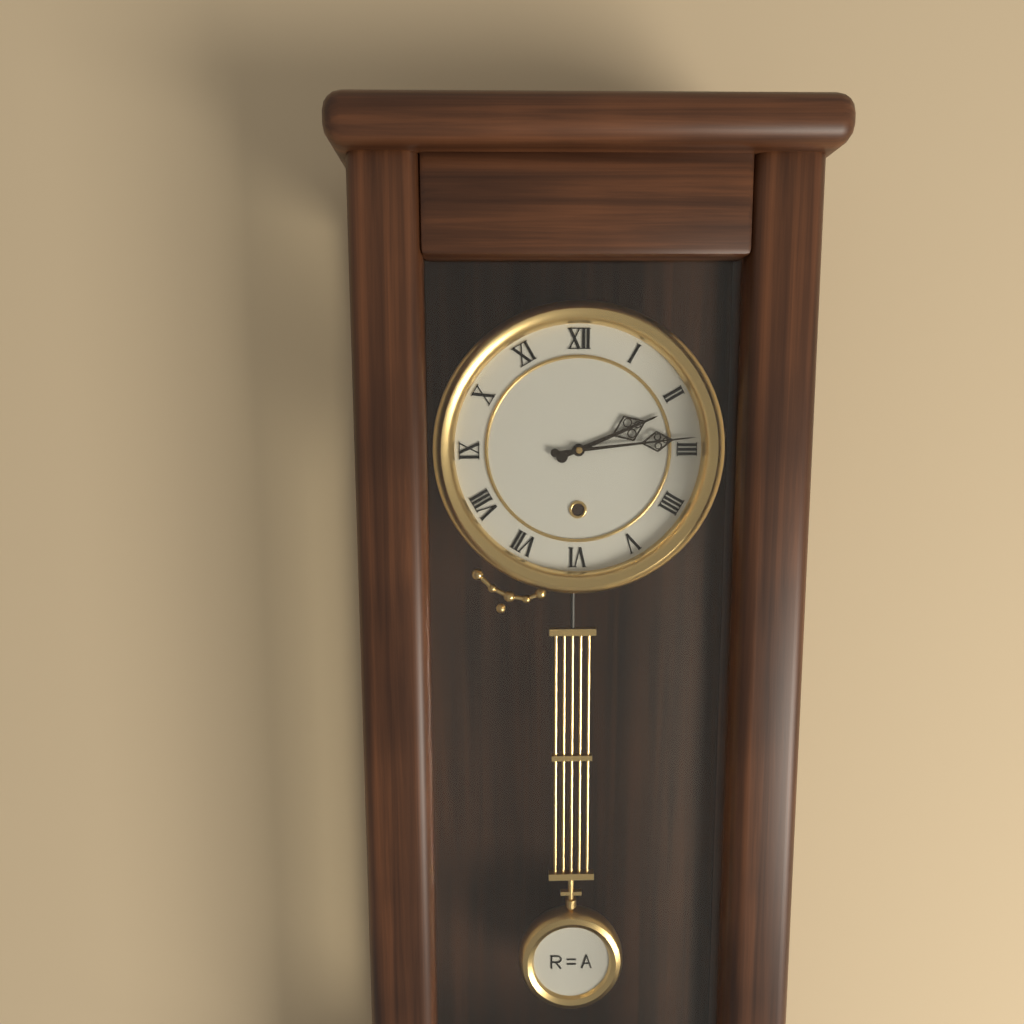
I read 2.14
